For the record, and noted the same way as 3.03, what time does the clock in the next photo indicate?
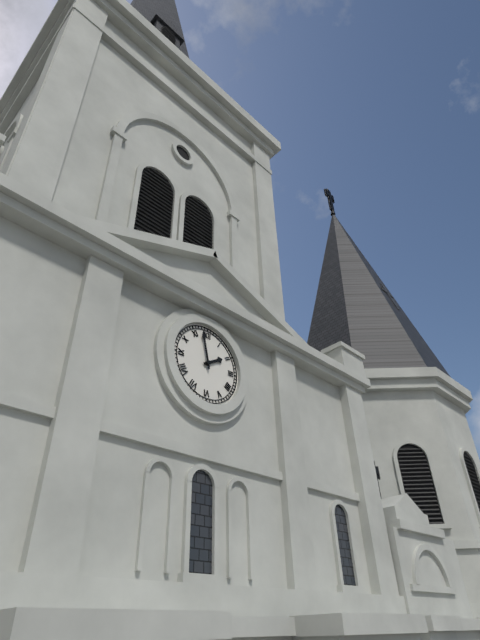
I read 1.58
